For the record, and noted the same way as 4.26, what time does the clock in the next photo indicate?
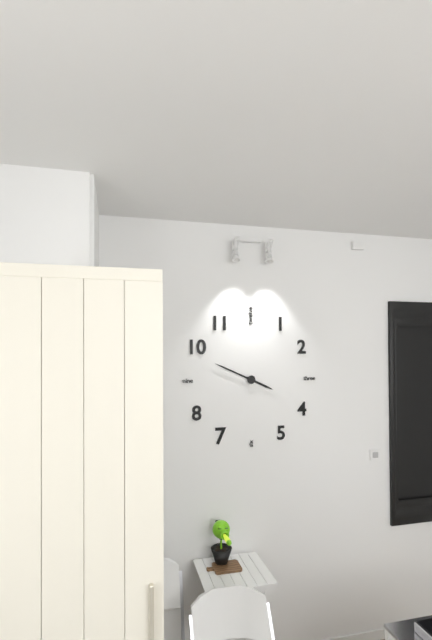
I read 3.49
